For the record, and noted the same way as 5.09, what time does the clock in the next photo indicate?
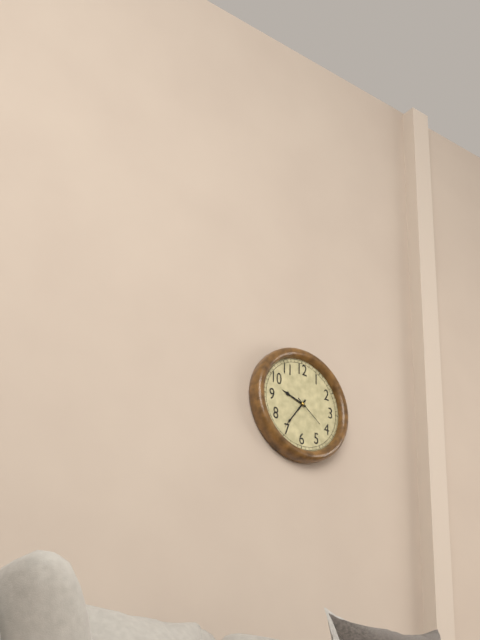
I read 9.36
